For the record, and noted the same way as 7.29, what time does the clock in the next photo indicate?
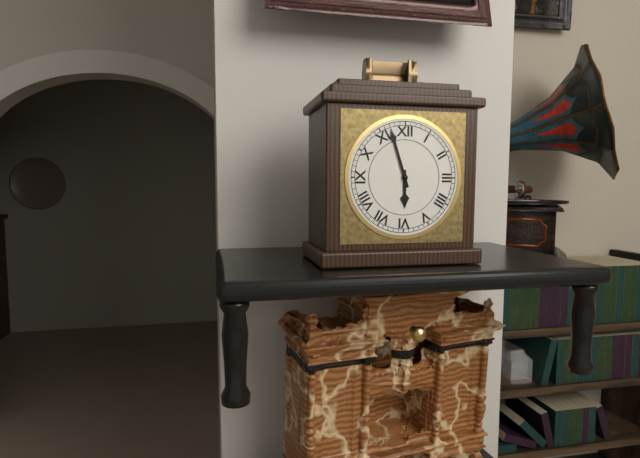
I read 5.57
